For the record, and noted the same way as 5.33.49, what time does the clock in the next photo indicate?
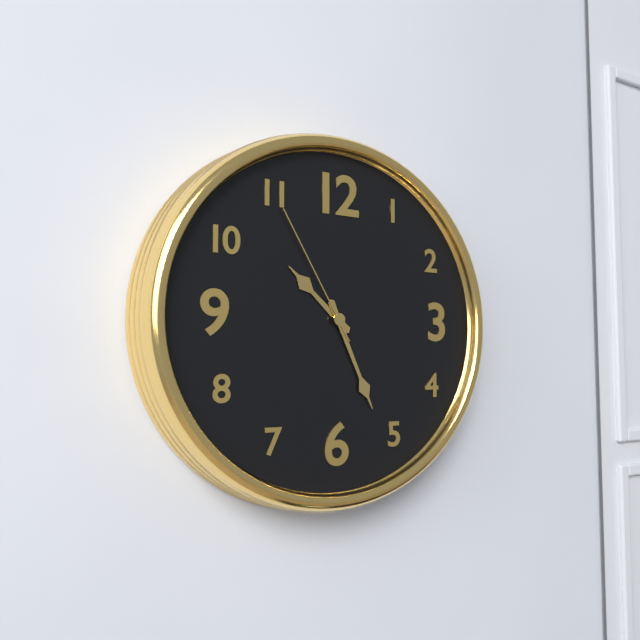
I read 10.26.55
